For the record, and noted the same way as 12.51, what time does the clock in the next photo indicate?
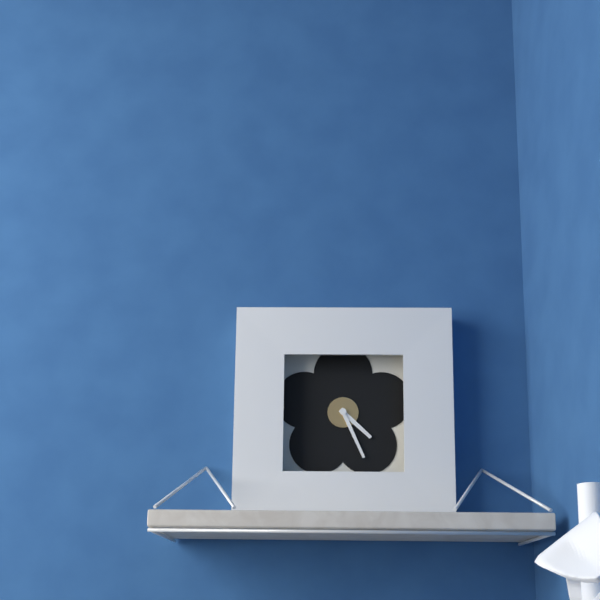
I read 4.26
